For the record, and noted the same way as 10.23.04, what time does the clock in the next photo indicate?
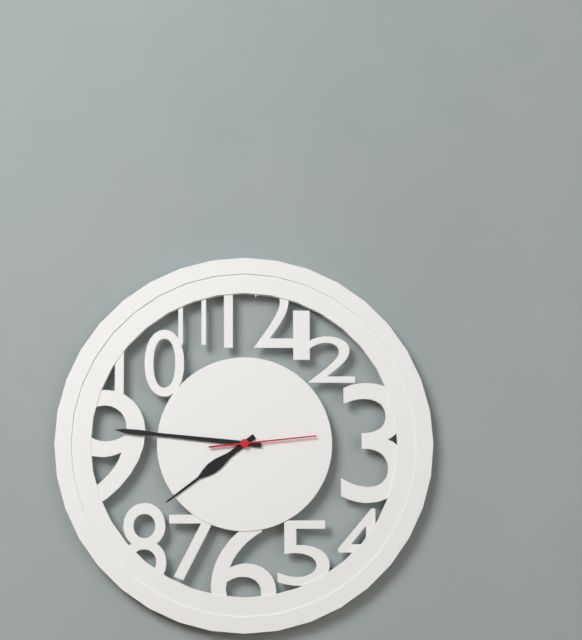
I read 7.46.14
